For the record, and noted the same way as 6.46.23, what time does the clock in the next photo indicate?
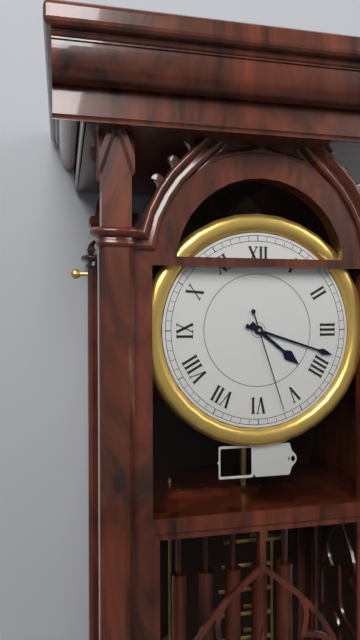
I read 4.18.27
